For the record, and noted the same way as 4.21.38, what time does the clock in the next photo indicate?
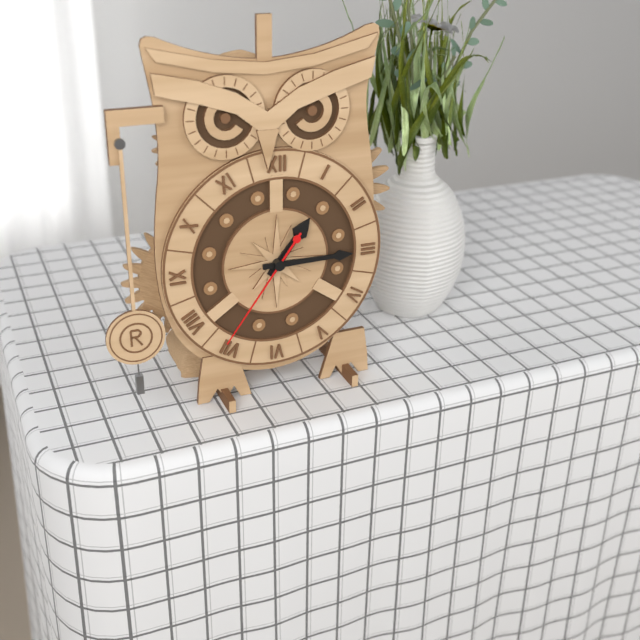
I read 1.15.36
